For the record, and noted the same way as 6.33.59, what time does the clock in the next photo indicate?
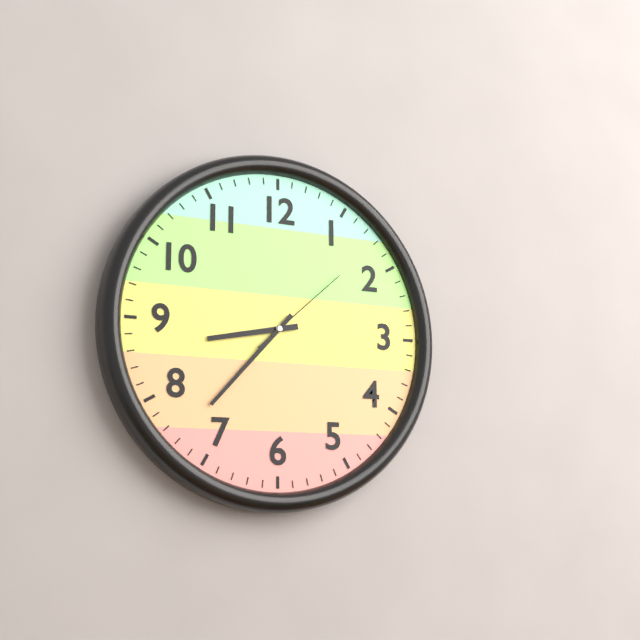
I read 8.37.08
